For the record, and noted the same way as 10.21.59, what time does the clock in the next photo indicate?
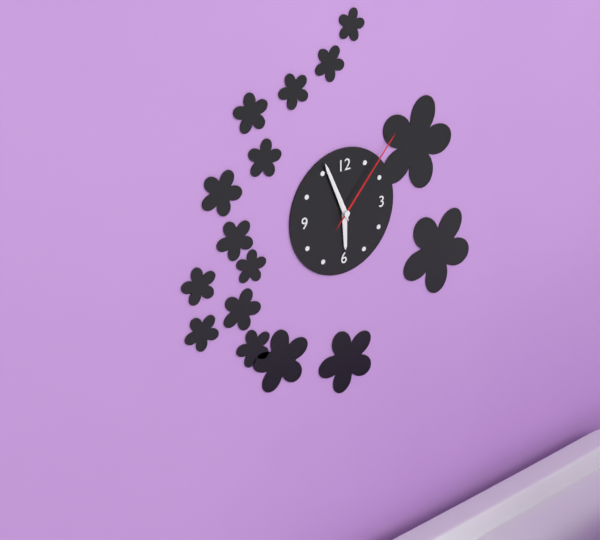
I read 5.56.07
